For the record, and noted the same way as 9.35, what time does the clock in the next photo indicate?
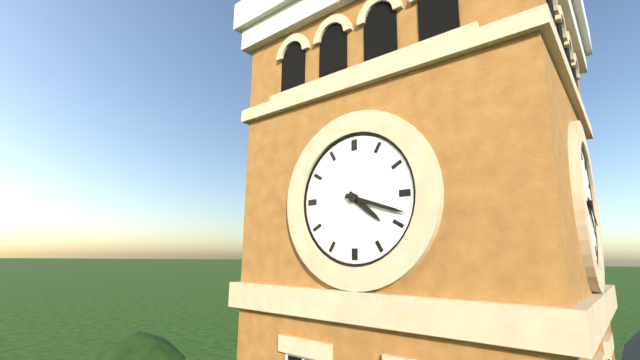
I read 4.18
